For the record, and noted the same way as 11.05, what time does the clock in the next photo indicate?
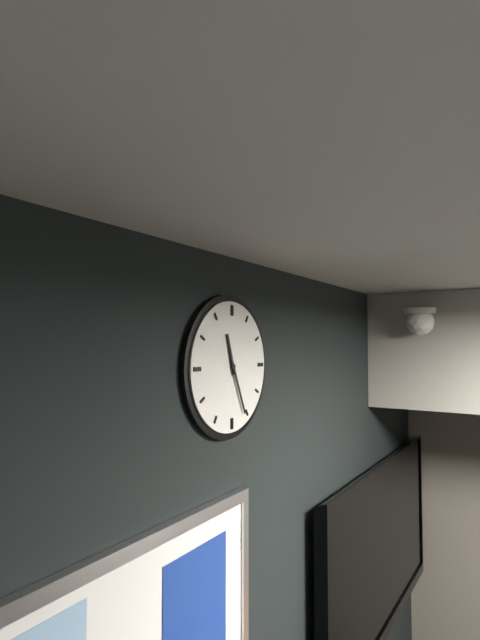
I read 11.26
